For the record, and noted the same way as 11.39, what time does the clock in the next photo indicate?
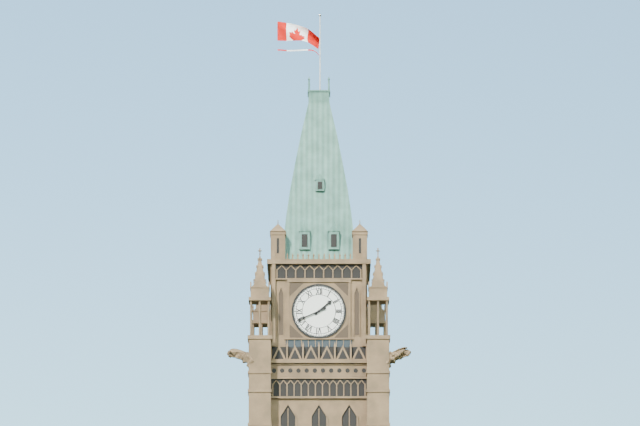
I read 1.41
